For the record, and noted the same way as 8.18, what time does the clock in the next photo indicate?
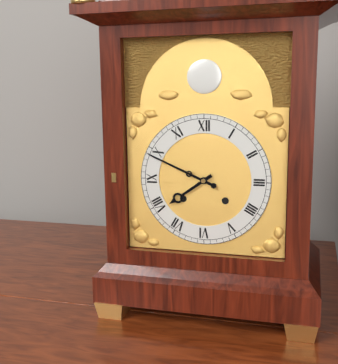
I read 7.49
